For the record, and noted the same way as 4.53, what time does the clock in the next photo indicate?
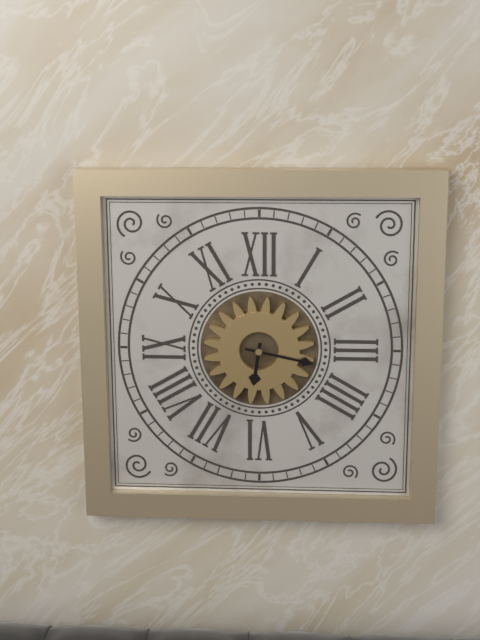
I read 6.17
